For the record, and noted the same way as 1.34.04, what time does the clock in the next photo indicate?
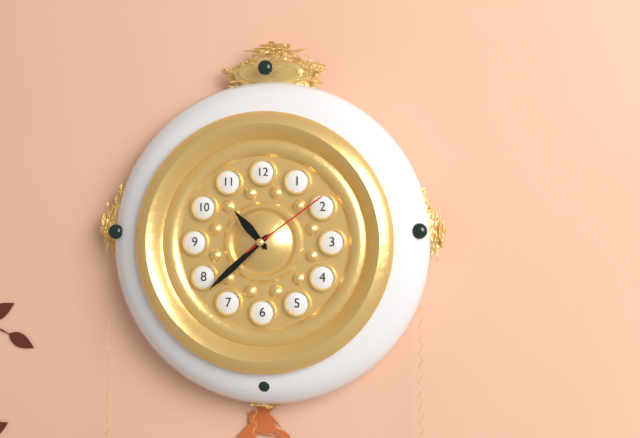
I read 10.38.09
